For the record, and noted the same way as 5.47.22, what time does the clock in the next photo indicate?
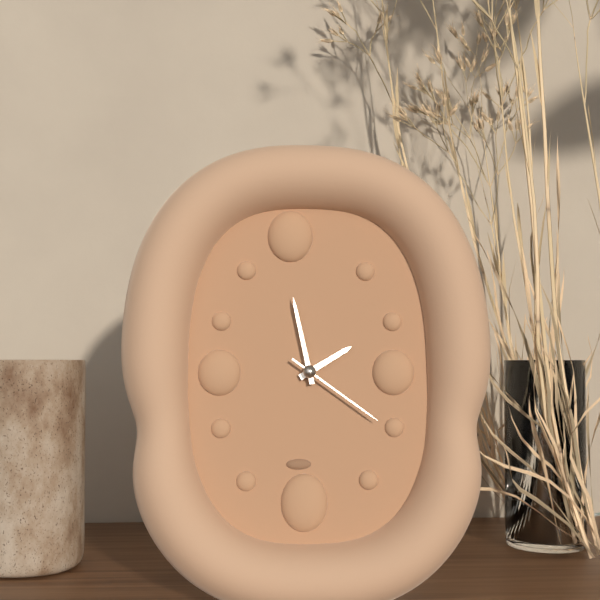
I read 1.58.21
